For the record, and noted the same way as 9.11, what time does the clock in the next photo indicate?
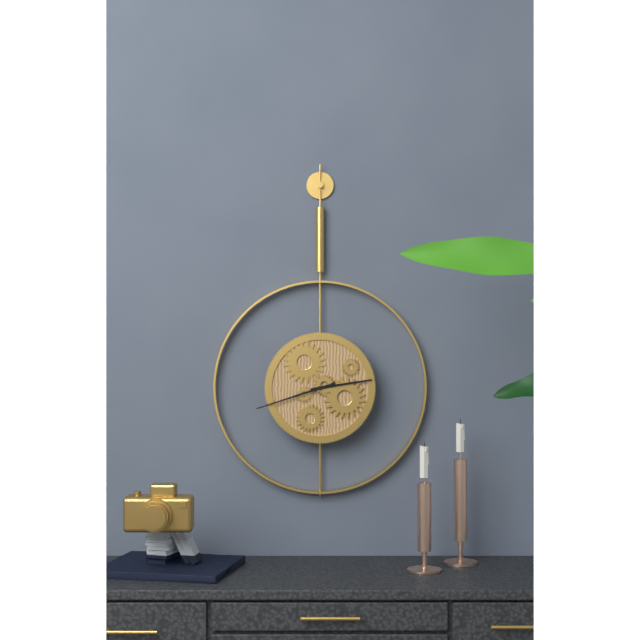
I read 2.42
